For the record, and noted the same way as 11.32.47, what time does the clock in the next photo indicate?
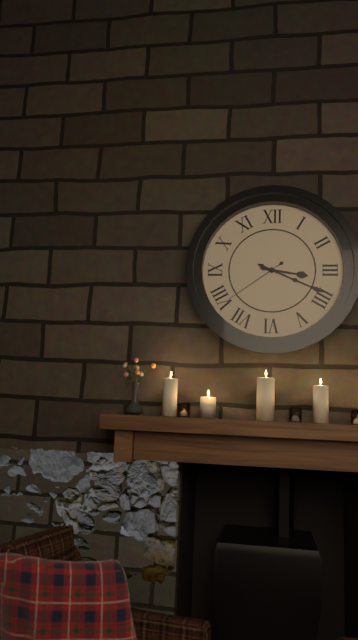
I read 3.19.39
